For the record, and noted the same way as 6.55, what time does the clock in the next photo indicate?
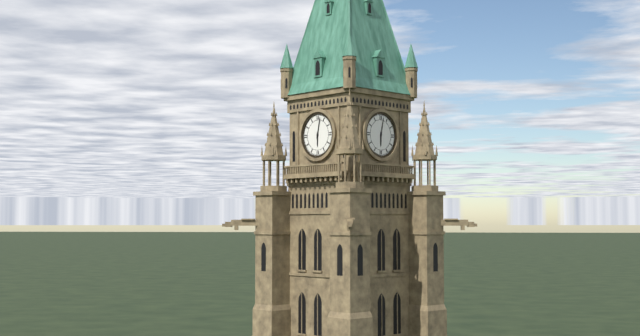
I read 6.02
